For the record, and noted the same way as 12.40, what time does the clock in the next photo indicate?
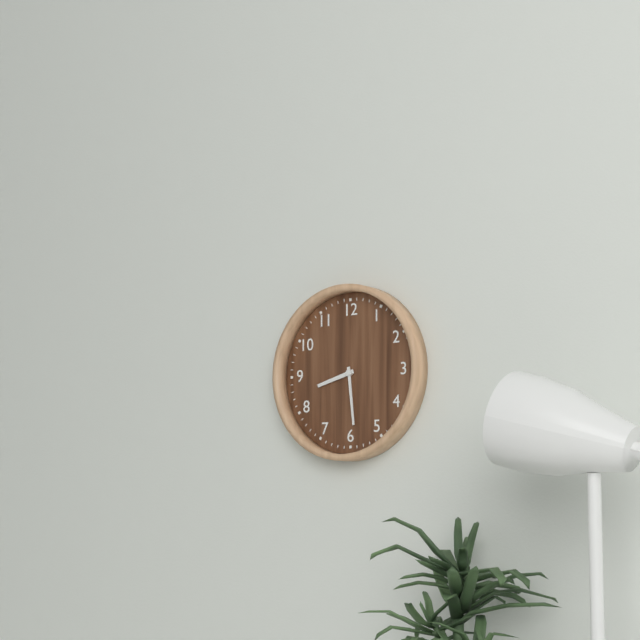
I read 8.29
